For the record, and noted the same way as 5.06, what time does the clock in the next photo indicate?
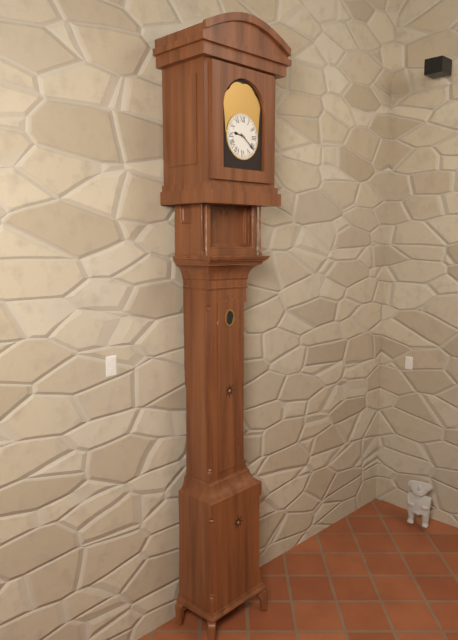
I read 9.21
